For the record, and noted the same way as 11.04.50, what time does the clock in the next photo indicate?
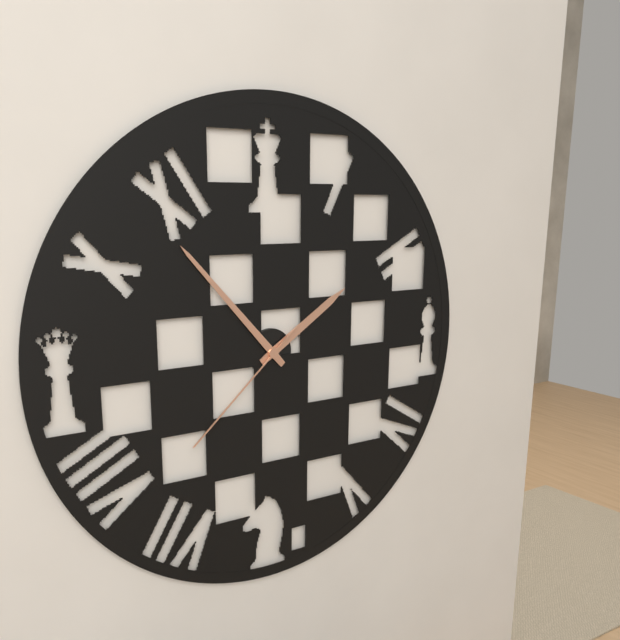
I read 1.53.38
